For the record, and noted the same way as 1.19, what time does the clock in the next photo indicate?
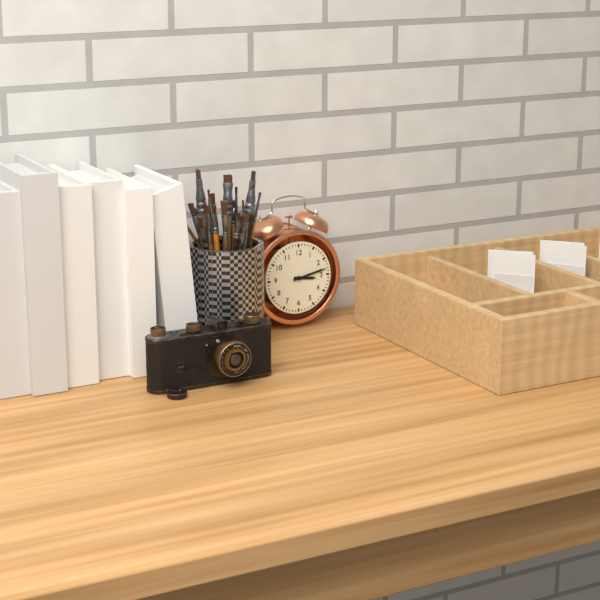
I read 3.13
